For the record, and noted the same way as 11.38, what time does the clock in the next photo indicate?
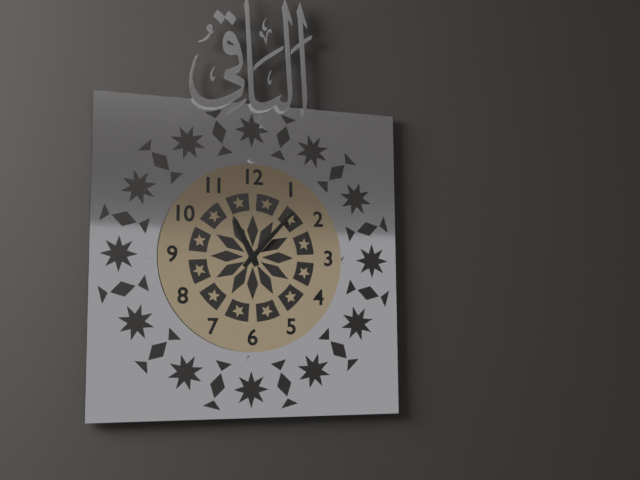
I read 11.07
